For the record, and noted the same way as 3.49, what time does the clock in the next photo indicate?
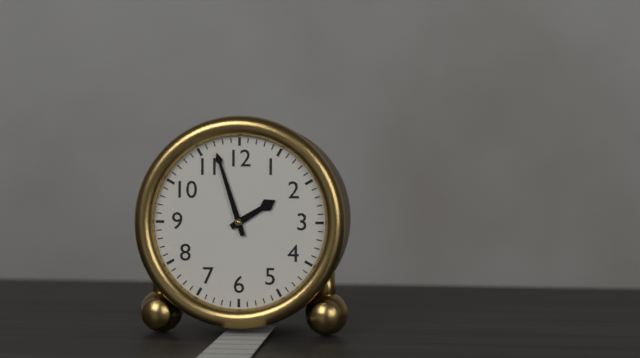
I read 1.57
